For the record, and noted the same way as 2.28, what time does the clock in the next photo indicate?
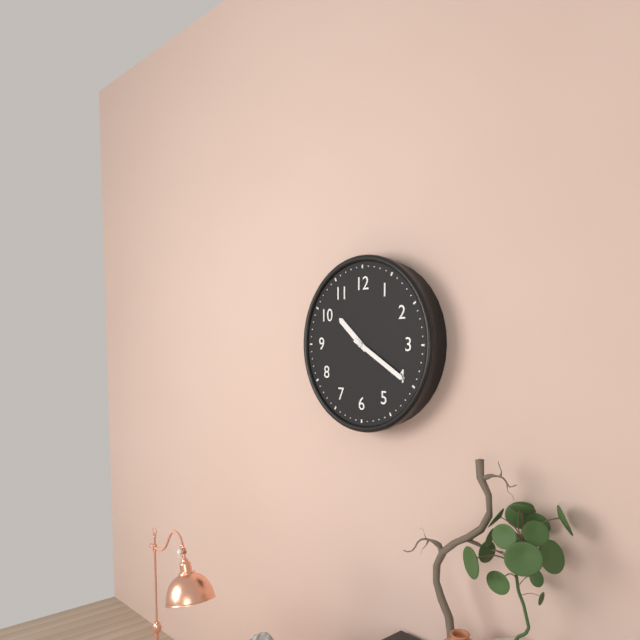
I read 10.20
